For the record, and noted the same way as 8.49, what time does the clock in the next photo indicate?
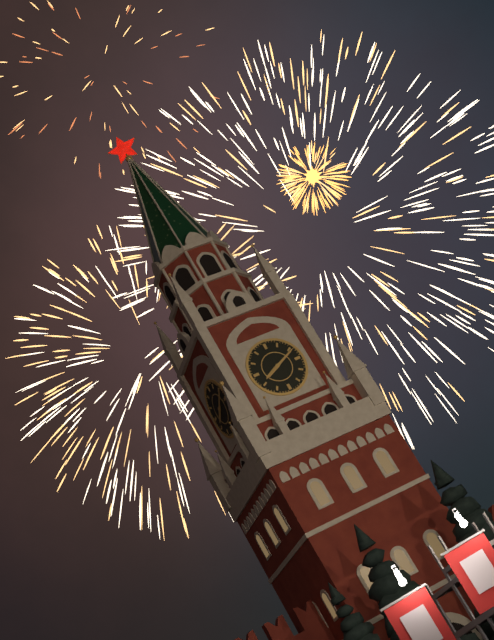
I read 8.11
